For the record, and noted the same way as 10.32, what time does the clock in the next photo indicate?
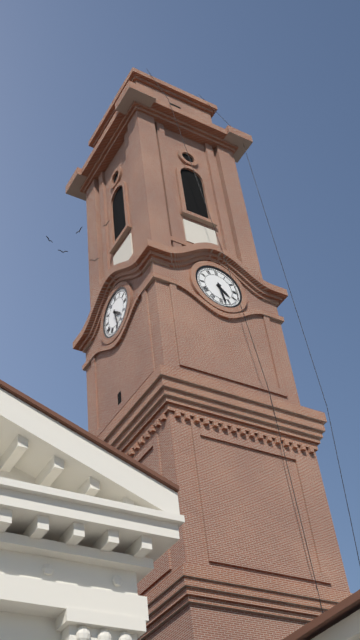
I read 4.28
